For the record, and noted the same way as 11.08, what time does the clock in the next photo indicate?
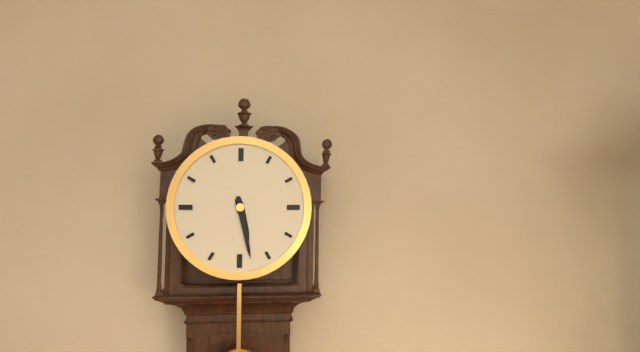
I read 5.28
